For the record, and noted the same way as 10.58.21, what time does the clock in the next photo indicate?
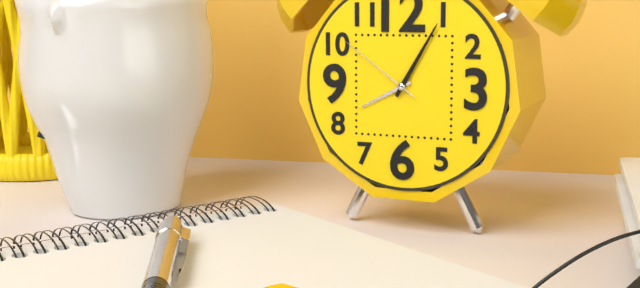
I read 8.05.51
